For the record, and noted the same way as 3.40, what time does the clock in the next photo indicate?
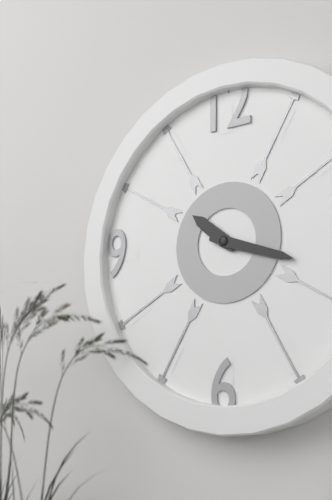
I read 10.18
